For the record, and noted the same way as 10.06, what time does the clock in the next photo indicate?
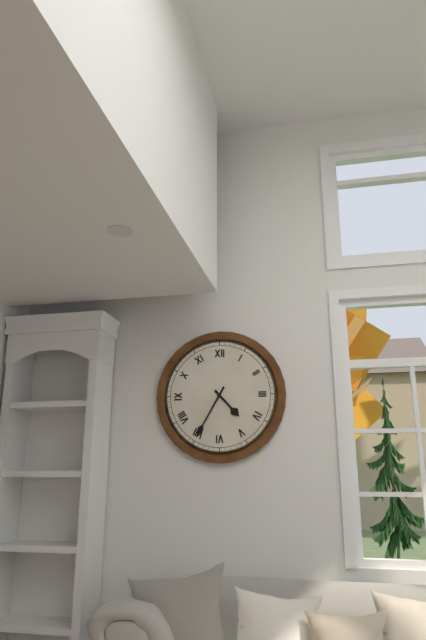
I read 4.35
